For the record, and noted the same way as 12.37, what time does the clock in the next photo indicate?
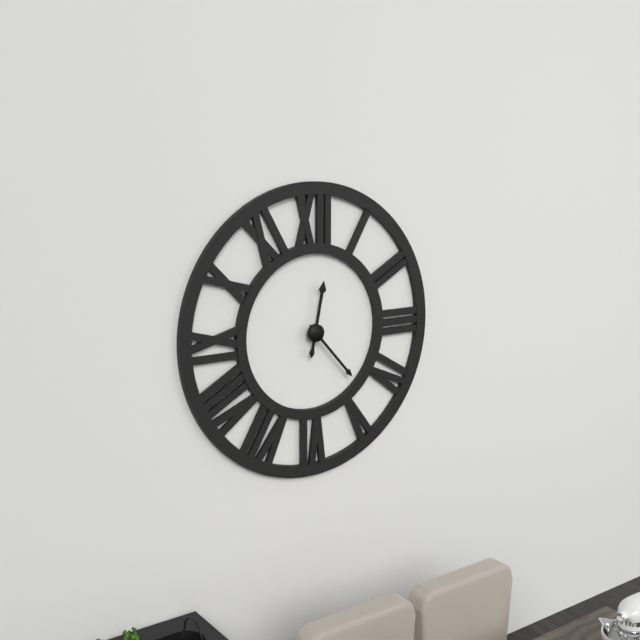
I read 12.23
